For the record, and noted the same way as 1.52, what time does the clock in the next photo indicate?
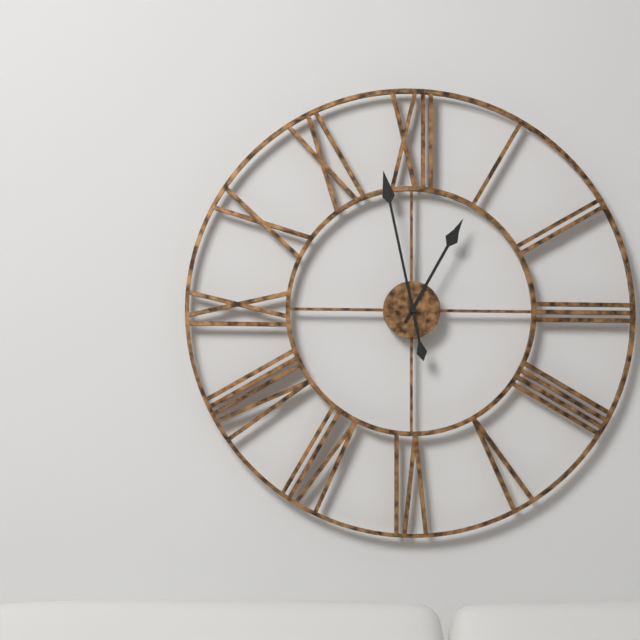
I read 12.58
